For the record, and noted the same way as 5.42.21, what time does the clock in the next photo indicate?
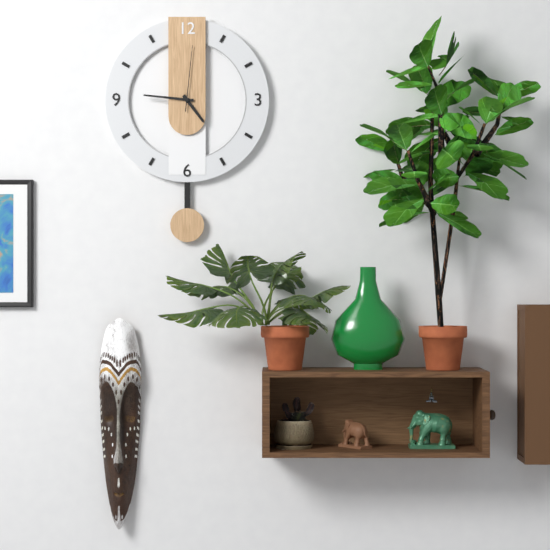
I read 4.46.01
